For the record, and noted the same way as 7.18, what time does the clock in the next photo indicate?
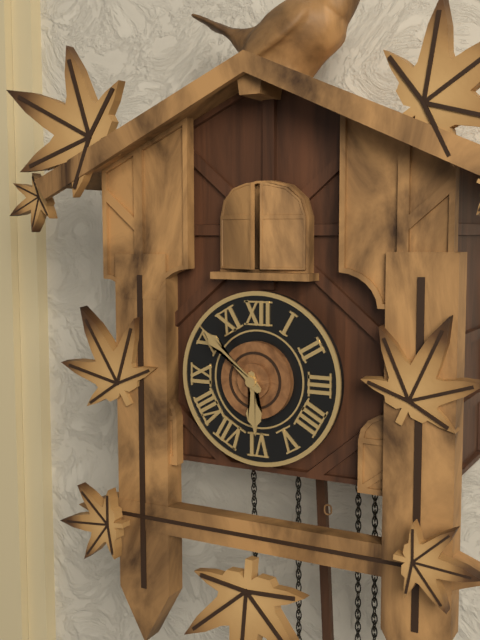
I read 5.52
